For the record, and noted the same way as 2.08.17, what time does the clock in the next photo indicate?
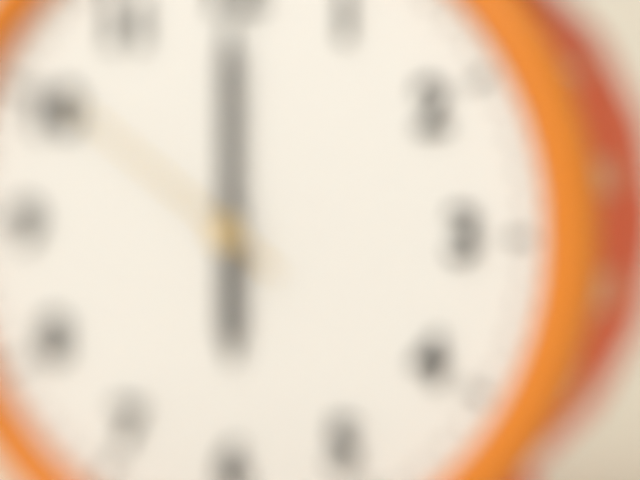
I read 6.00.51
